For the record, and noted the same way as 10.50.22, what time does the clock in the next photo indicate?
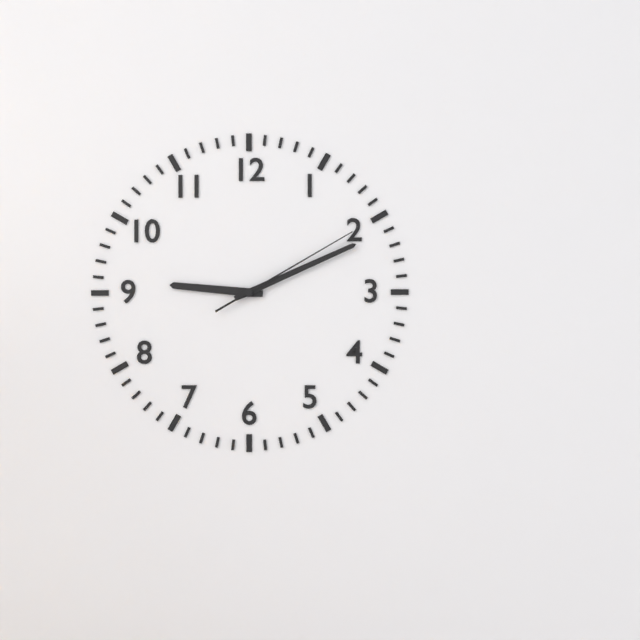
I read 9.11.10
